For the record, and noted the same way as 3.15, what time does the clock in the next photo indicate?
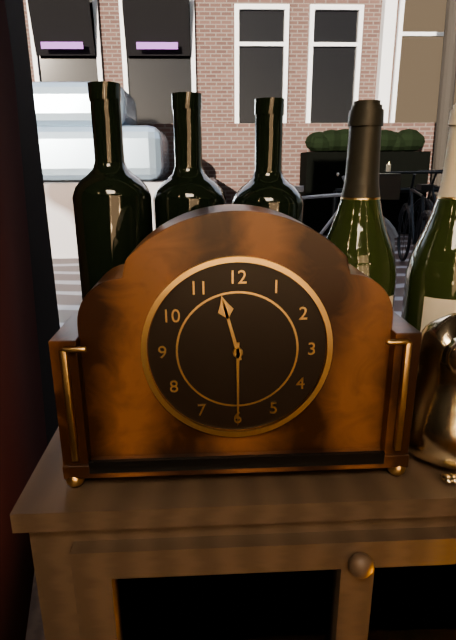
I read 11.30
